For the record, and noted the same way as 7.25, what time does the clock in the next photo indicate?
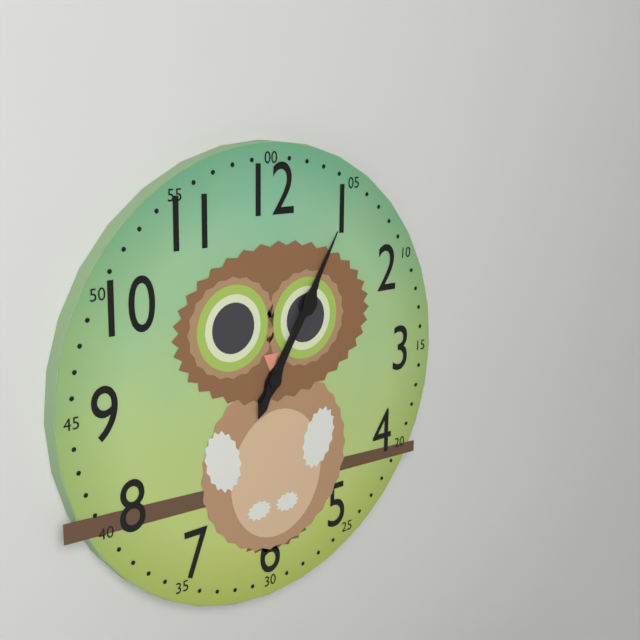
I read 1.05
